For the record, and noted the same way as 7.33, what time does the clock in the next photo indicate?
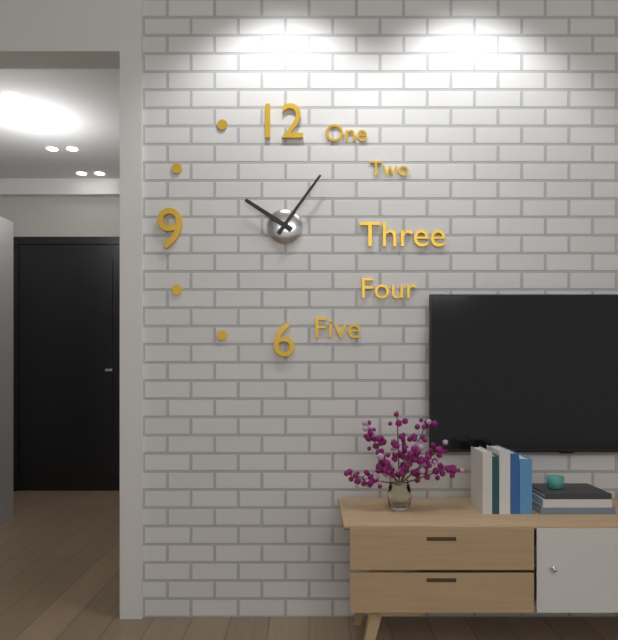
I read 10.06
